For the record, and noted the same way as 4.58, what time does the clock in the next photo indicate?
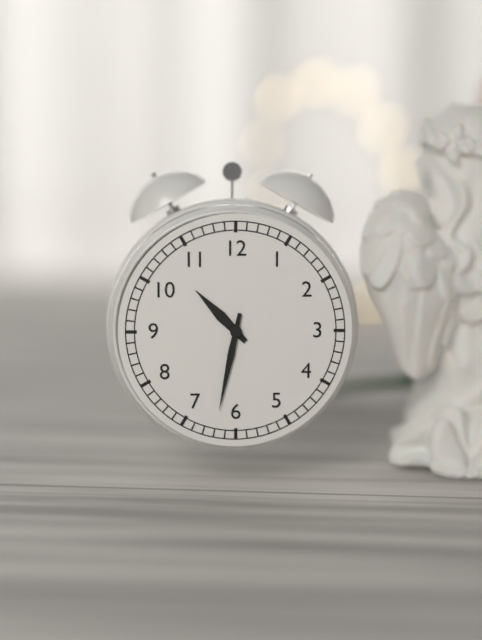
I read 10.32
